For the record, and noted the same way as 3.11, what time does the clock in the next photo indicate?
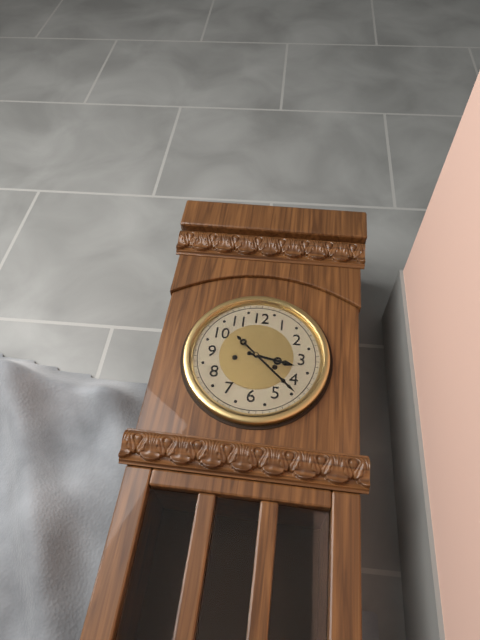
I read 3.22
